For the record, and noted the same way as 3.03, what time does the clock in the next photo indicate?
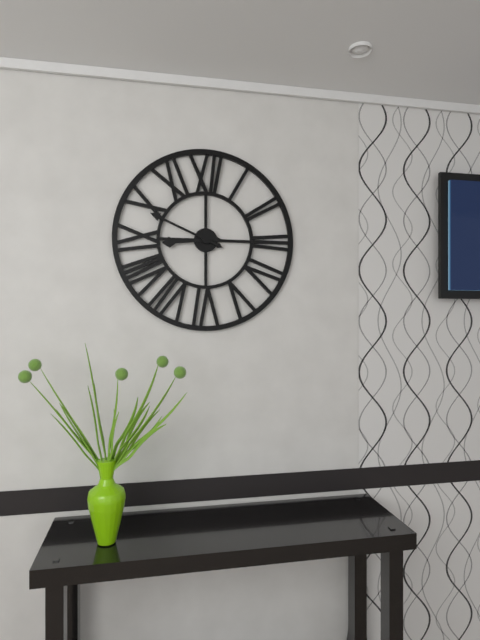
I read 8.49
